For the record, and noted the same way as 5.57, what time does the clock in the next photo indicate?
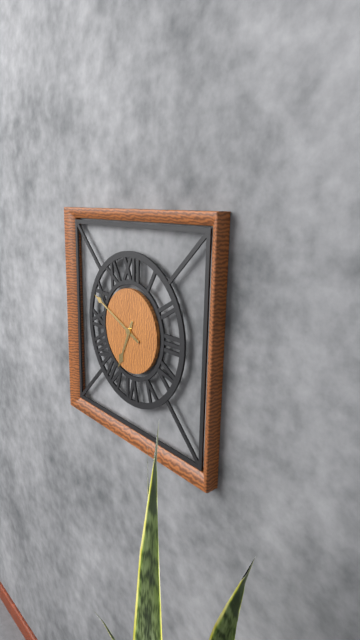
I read 6.49
